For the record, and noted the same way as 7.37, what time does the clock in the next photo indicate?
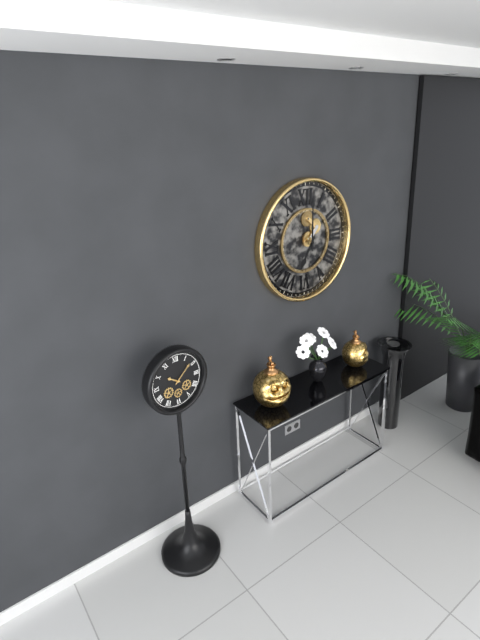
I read 7.00
